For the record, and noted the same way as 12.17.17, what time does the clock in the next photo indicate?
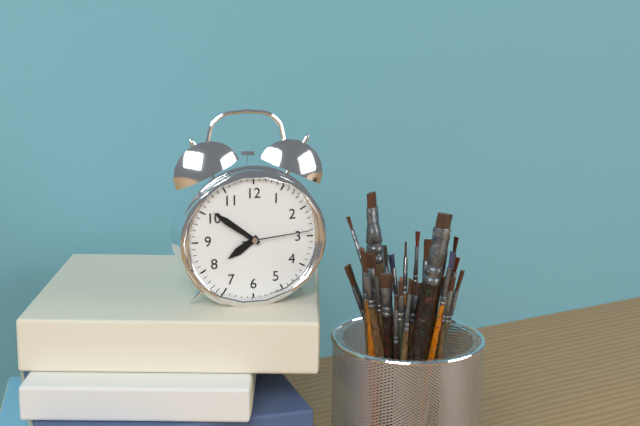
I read 7.51.14
